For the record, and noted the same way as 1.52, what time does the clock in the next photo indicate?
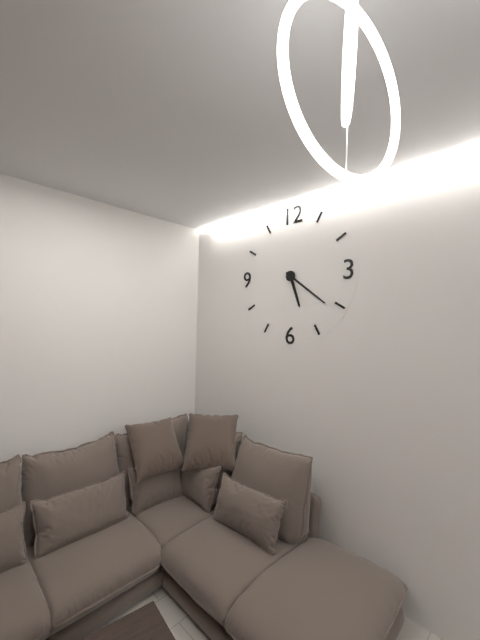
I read 5.21
